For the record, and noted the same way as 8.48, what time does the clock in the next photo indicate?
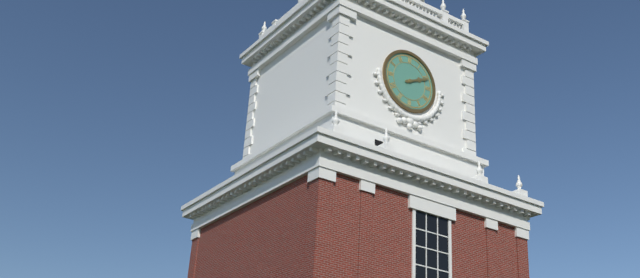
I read 2.11
